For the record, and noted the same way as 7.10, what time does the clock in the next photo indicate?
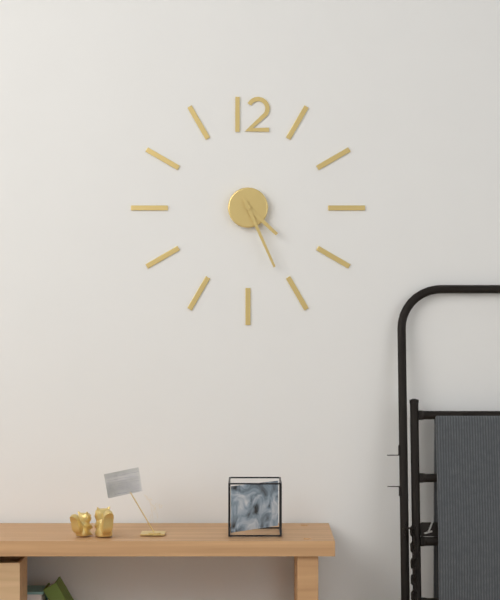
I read 4.26
